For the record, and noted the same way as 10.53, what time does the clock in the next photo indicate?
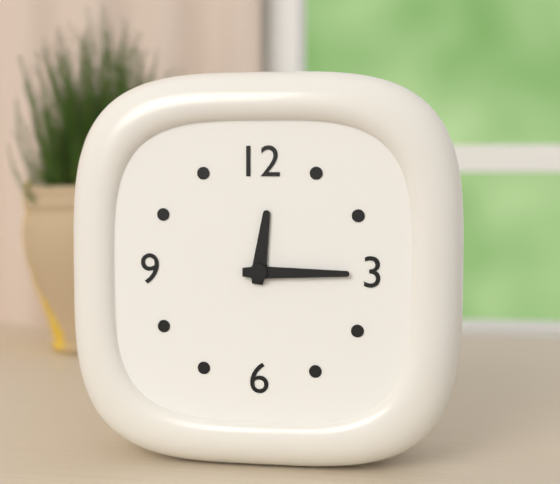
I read 12.15
